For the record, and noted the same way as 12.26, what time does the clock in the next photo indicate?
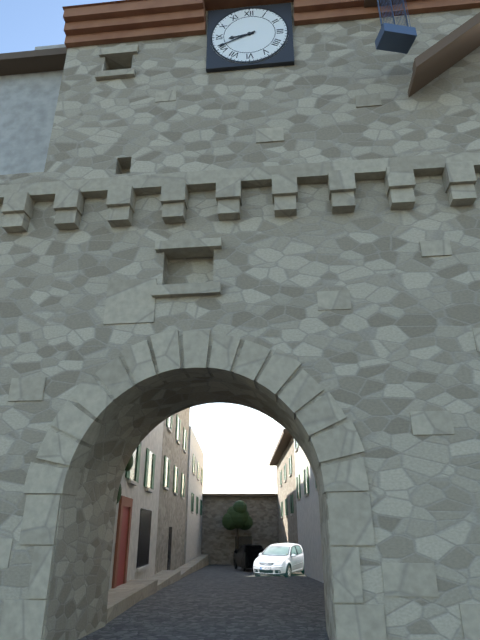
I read 8.41
